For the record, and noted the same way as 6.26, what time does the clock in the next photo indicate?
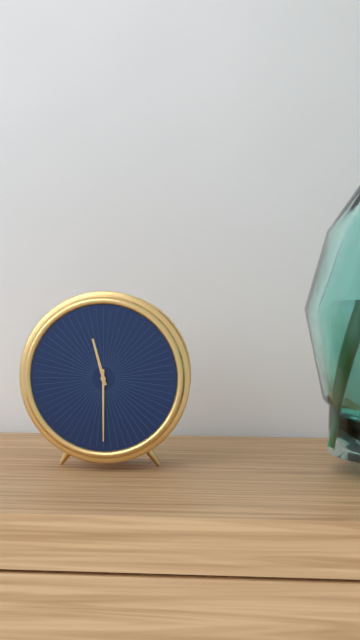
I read 11.30
